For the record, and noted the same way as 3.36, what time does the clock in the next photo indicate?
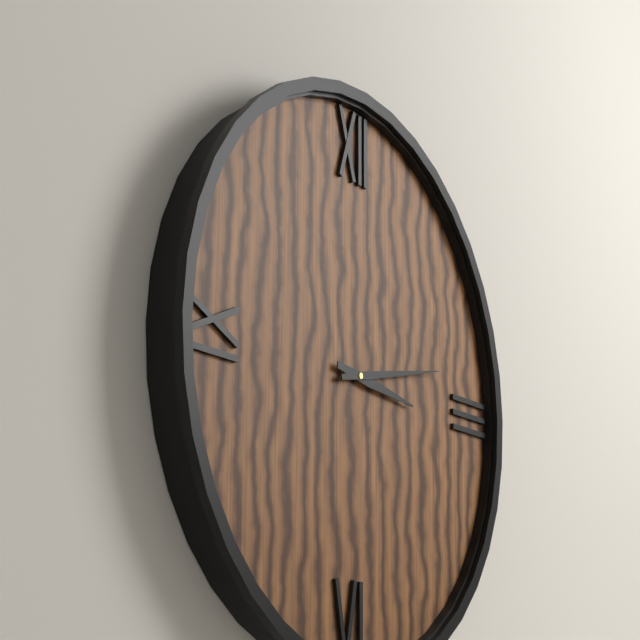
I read 3.13
